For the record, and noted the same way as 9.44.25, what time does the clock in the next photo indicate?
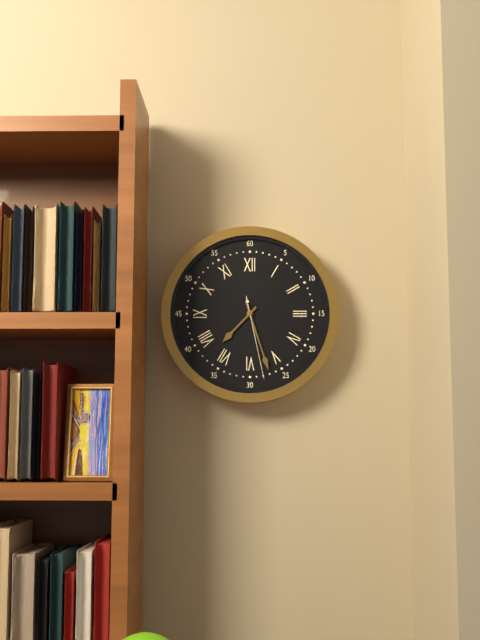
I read 7.27.28
